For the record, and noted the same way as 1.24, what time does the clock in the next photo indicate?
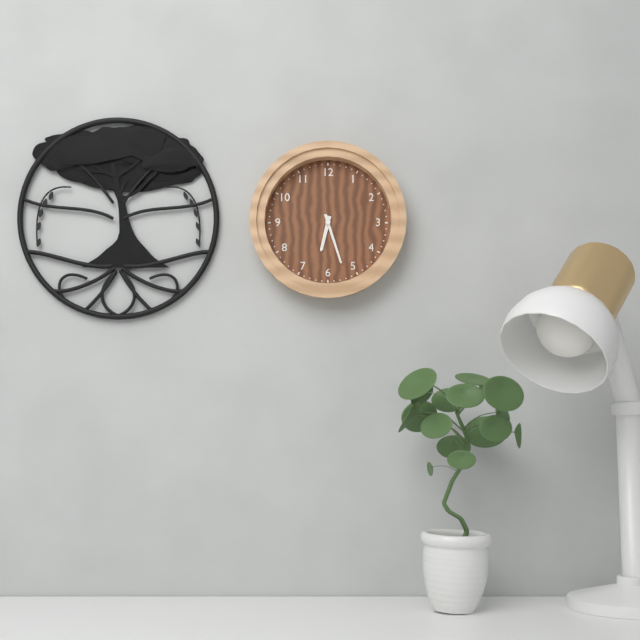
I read 6.27
